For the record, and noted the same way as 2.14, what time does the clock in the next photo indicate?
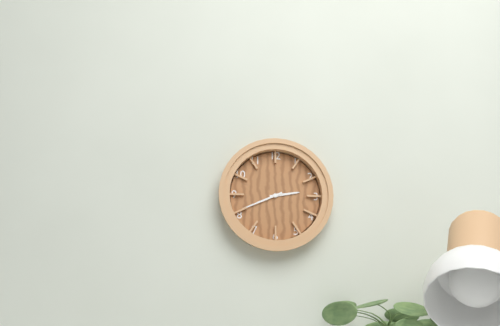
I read 2.41
